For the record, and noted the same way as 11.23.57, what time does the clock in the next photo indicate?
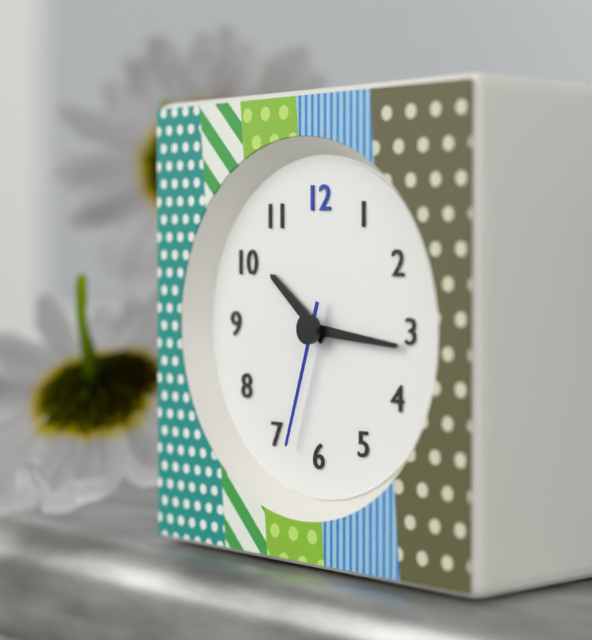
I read 10.16.33
